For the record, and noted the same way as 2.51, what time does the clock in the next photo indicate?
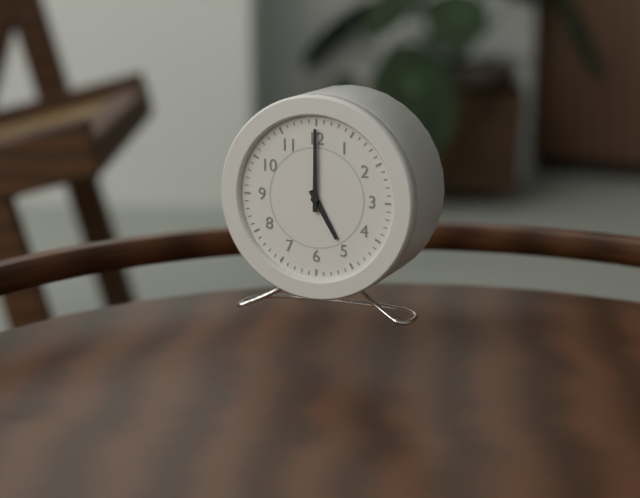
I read 5.00
